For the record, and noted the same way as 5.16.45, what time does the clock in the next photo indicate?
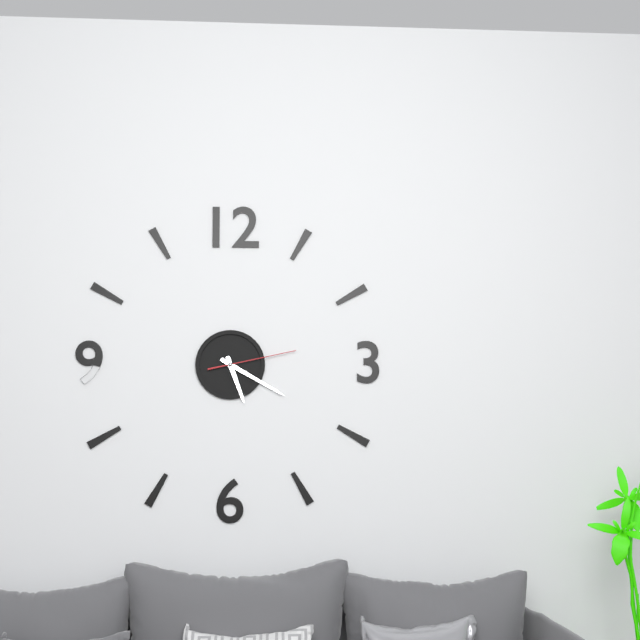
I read 5.20.13
